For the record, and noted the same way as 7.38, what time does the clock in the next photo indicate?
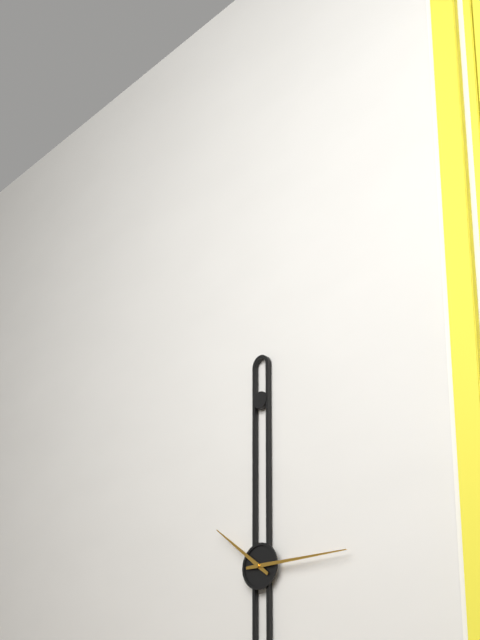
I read 10.15
